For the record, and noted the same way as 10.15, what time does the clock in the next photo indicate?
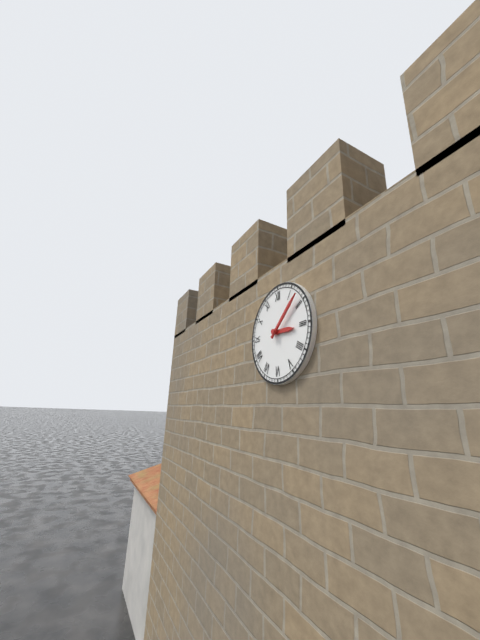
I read 3.08
